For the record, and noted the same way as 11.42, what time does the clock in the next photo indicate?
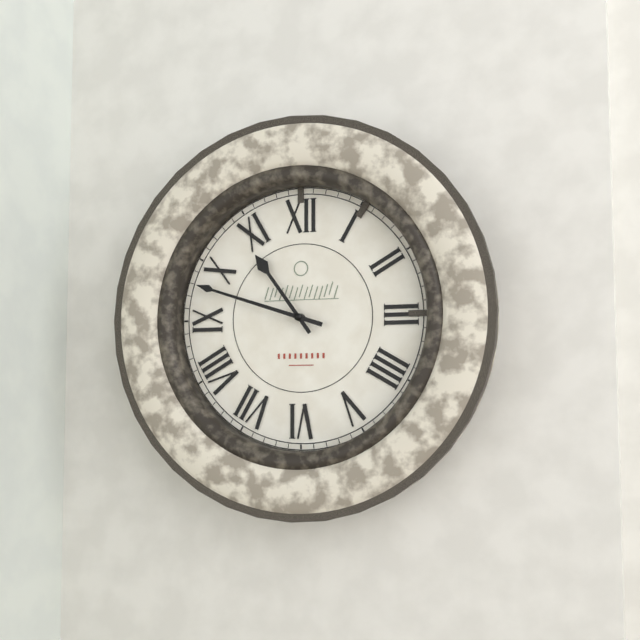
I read 10.48
